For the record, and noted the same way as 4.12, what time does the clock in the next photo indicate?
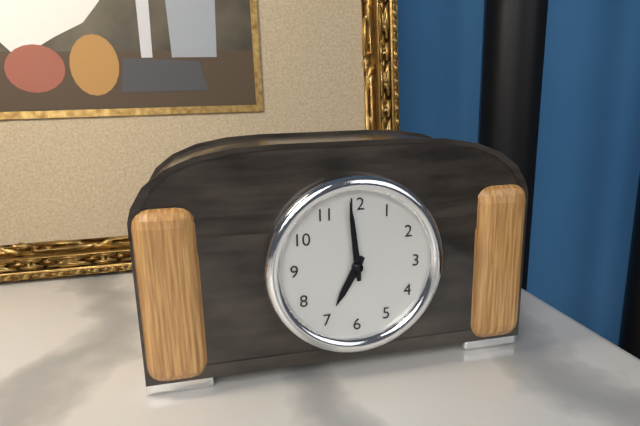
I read 6.59
